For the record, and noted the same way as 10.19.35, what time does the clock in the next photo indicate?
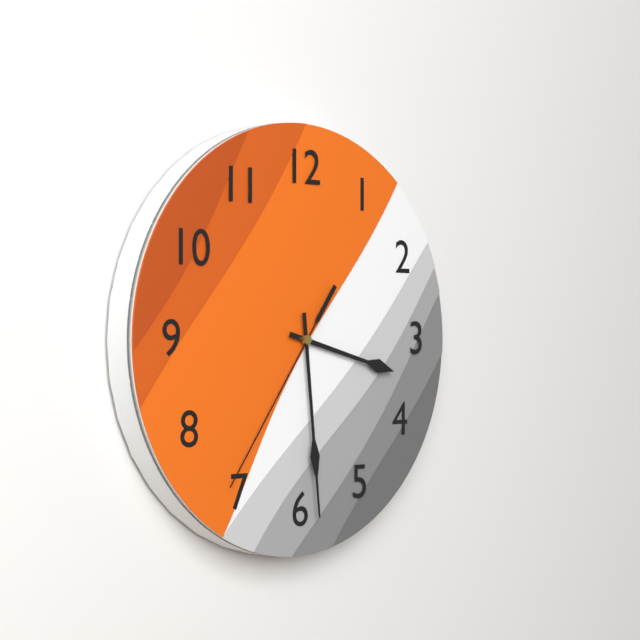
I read 3.29.36
